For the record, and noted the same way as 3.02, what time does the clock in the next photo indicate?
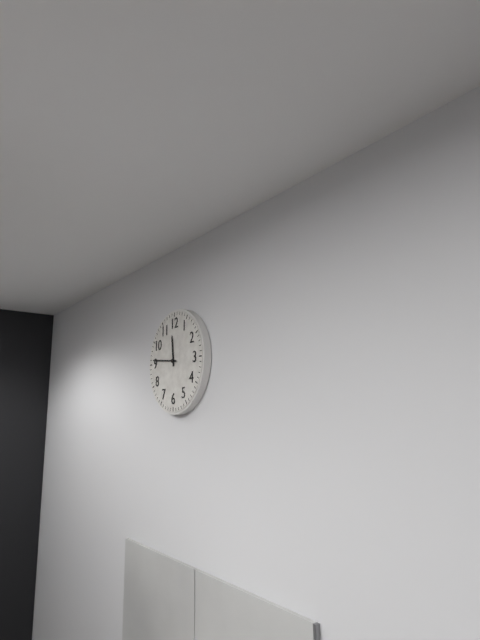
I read 11.46
